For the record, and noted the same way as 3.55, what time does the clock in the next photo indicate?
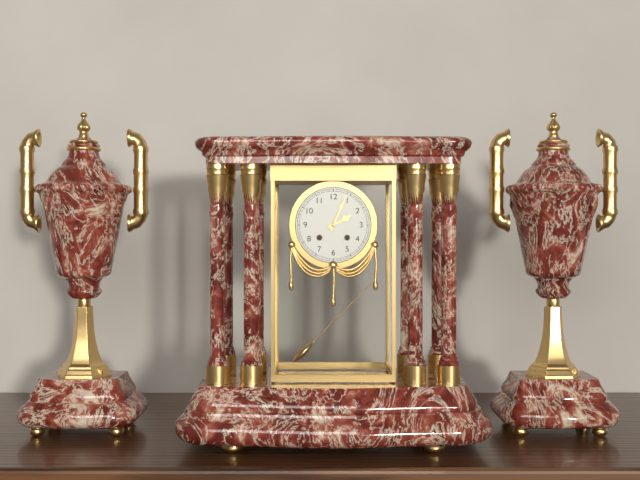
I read 2.04
